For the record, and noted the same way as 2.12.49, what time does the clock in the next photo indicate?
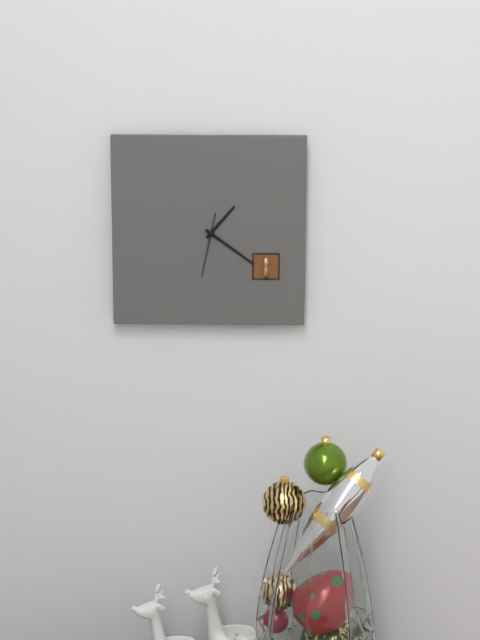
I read 1.21.32
